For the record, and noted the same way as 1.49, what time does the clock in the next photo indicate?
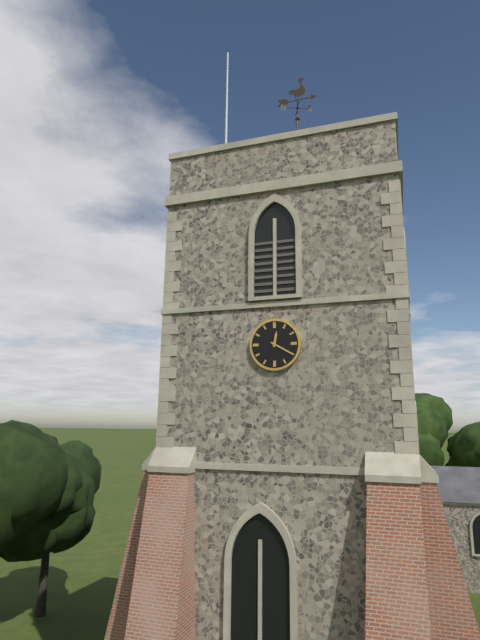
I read 12.20
